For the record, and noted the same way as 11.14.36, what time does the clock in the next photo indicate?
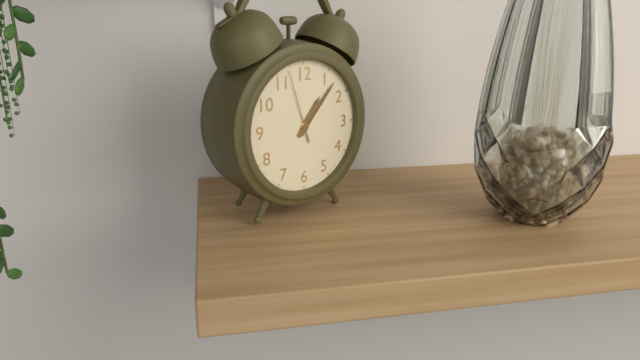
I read 1.07.57
